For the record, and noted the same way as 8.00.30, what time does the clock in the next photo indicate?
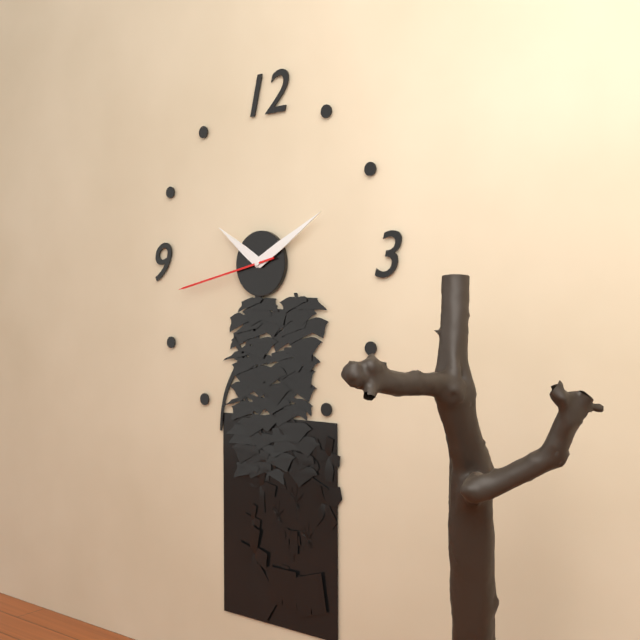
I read 10.10.43
